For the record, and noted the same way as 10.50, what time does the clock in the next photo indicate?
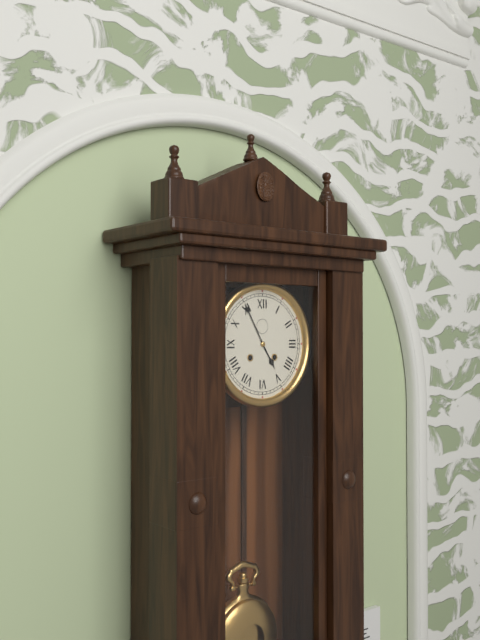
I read 4.55
